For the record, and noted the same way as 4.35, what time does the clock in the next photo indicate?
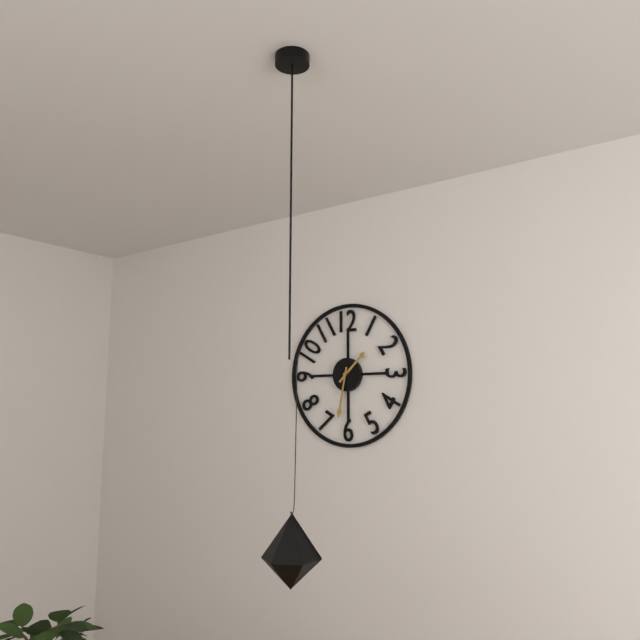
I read 1.32
